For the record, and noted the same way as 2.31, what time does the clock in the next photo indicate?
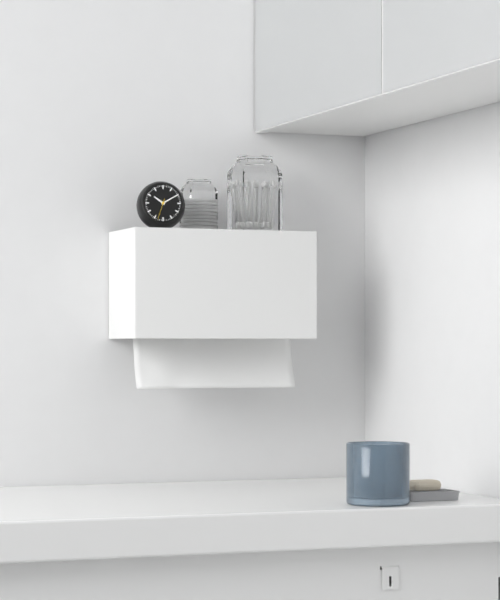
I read 10.10
